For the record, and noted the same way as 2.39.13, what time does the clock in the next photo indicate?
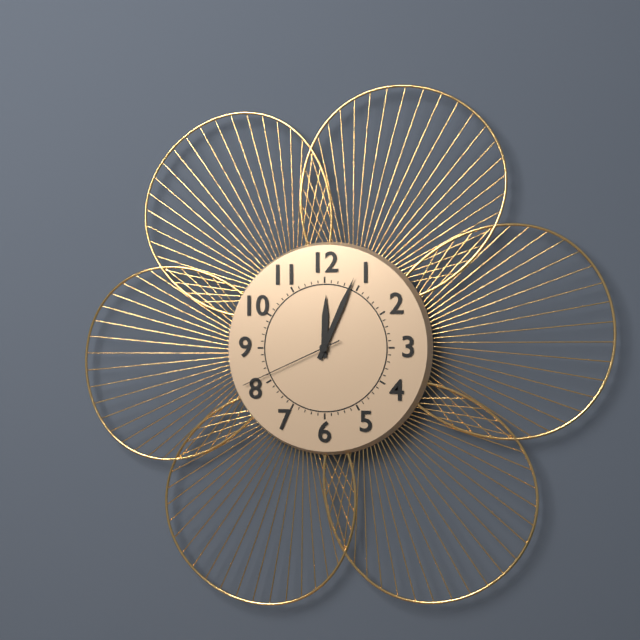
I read 12.04.41
